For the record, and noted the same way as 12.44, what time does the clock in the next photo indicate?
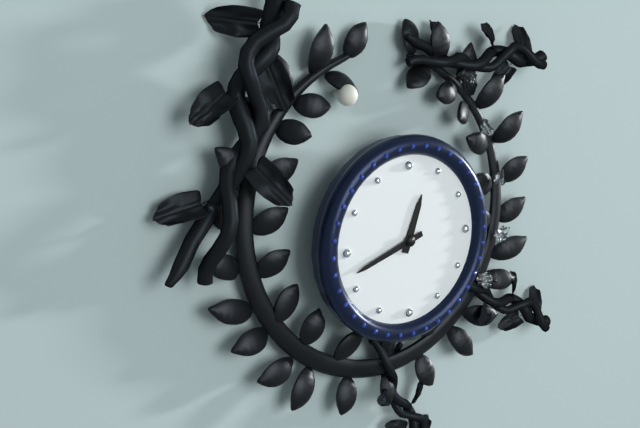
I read 12.42
